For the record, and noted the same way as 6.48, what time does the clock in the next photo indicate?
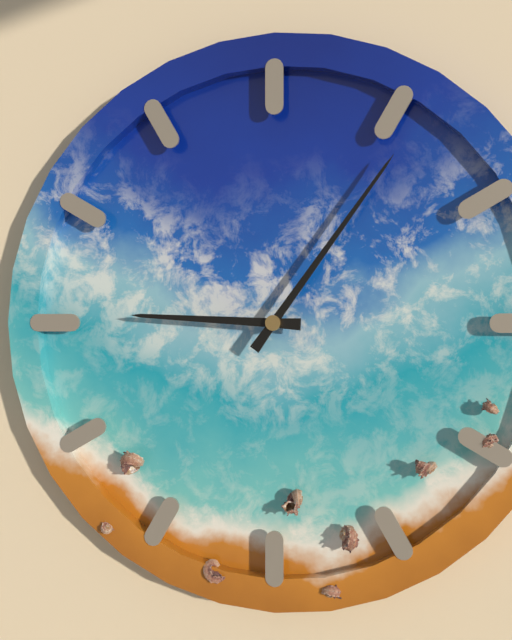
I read 9.06
